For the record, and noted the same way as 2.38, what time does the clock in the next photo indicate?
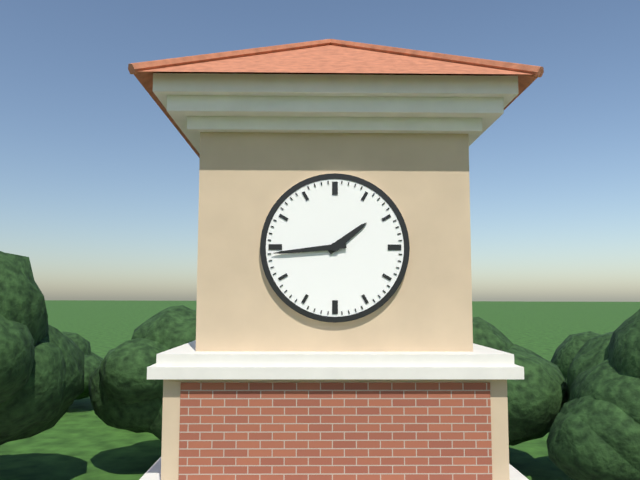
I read 1.44
